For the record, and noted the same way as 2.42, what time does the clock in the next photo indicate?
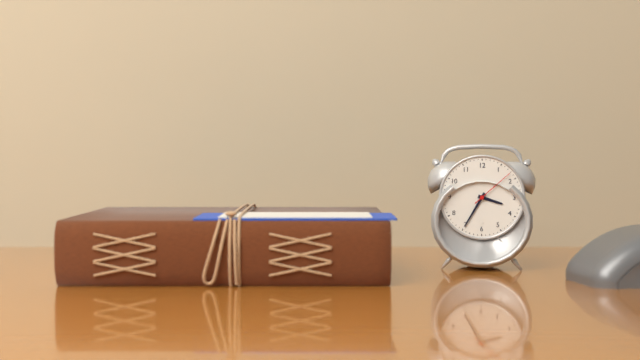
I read 3.35
